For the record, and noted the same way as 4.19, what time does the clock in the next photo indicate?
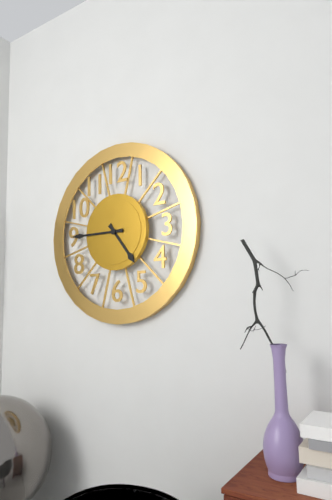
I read 4.45
